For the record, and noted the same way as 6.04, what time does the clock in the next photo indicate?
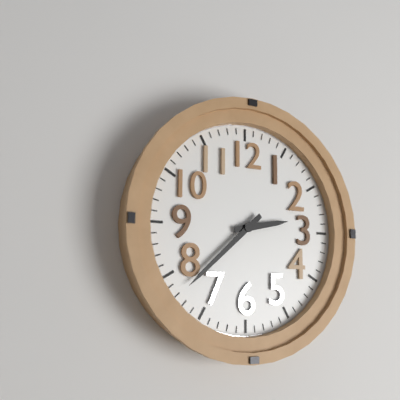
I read 2.38
